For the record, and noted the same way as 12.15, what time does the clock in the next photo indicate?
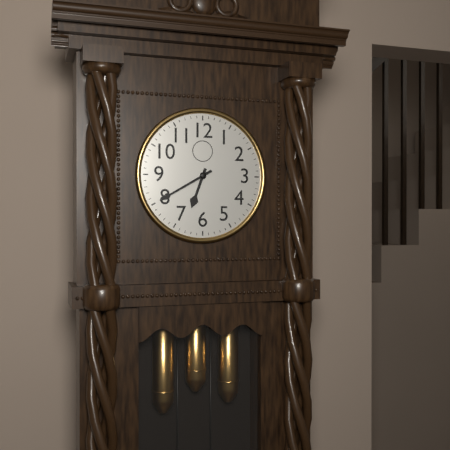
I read 6.40
